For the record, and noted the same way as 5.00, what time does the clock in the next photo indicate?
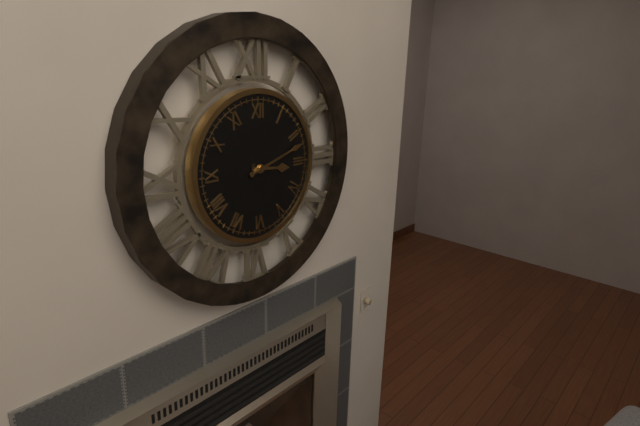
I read 3.12
